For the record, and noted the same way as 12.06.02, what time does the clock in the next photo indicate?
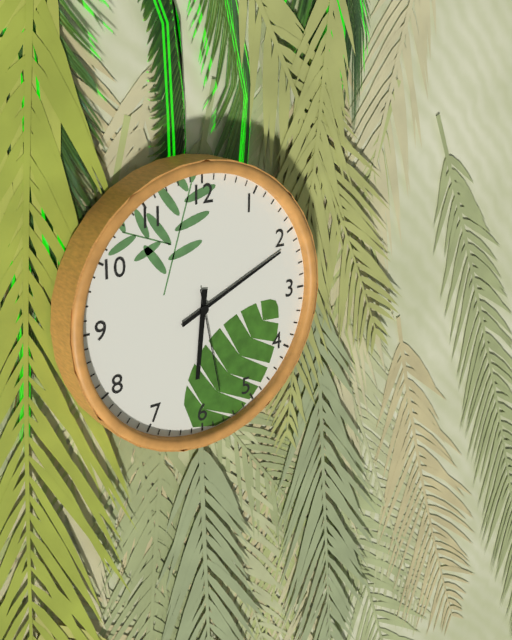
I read 6.11.28
